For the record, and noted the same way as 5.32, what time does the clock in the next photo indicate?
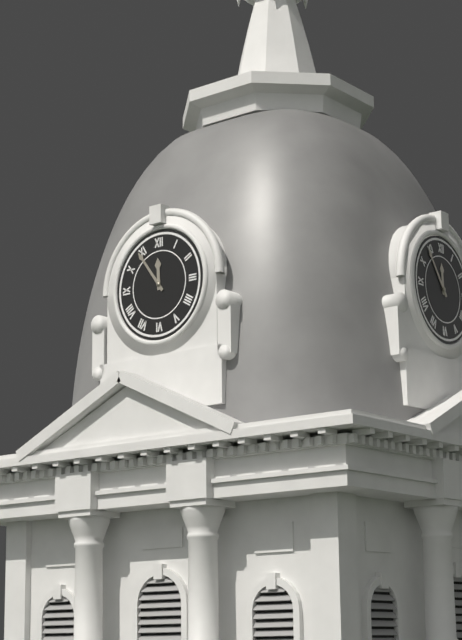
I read 11.54
